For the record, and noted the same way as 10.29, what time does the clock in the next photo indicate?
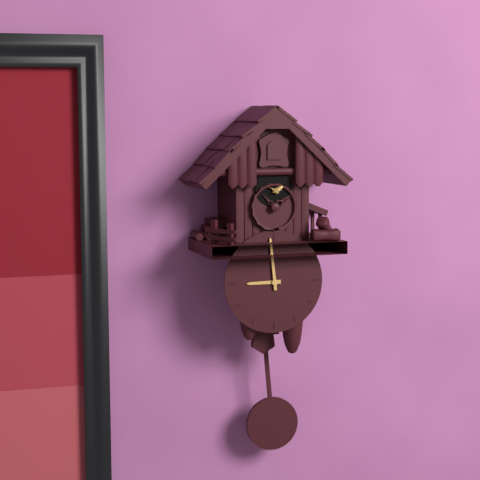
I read 8.59
